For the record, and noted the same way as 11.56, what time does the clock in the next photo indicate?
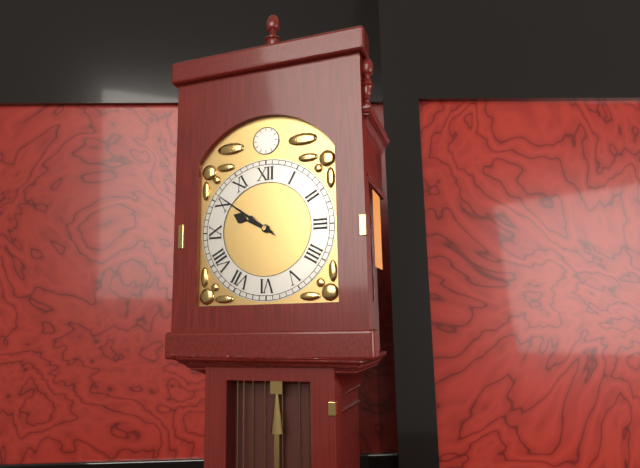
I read 9.51
